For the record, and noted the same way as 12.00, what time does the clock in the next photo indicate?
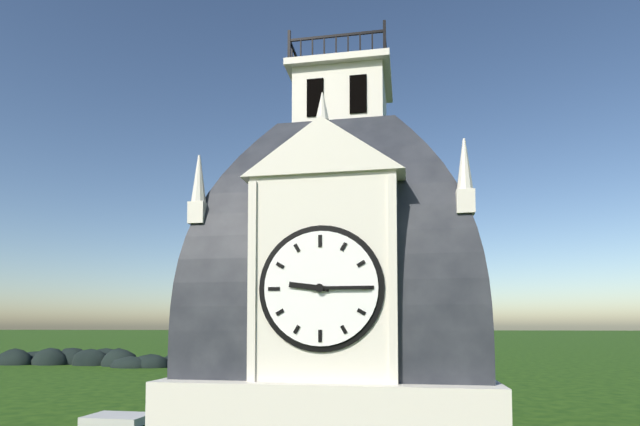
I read 9.15
